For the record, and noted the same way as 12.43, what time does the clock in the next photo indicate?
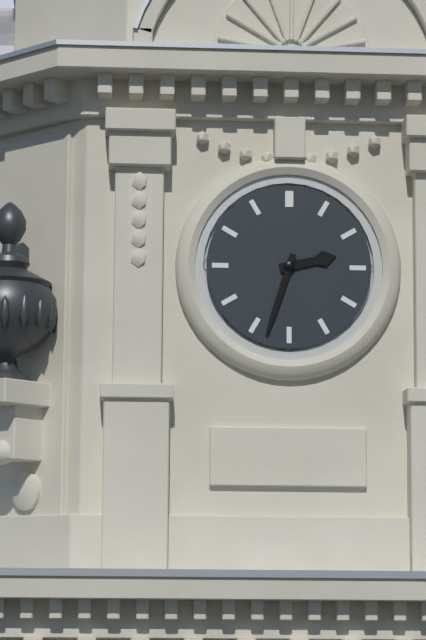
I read 2.33
